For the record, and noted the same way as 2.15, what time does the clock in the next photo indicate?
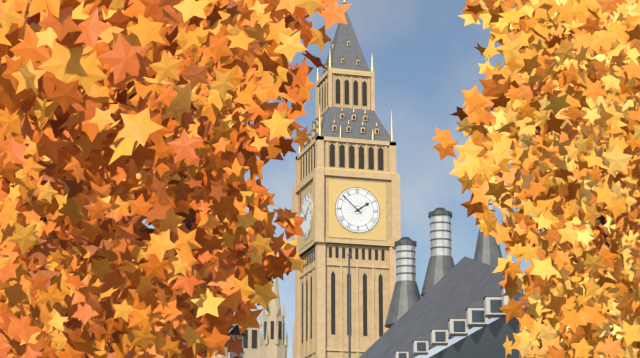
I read 1.52
